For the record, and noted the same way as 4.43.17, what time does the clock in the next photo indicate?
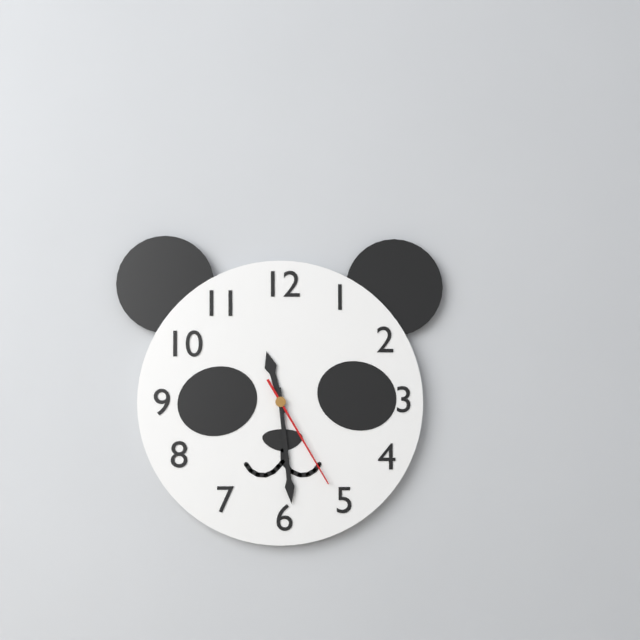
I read 11.29.25
